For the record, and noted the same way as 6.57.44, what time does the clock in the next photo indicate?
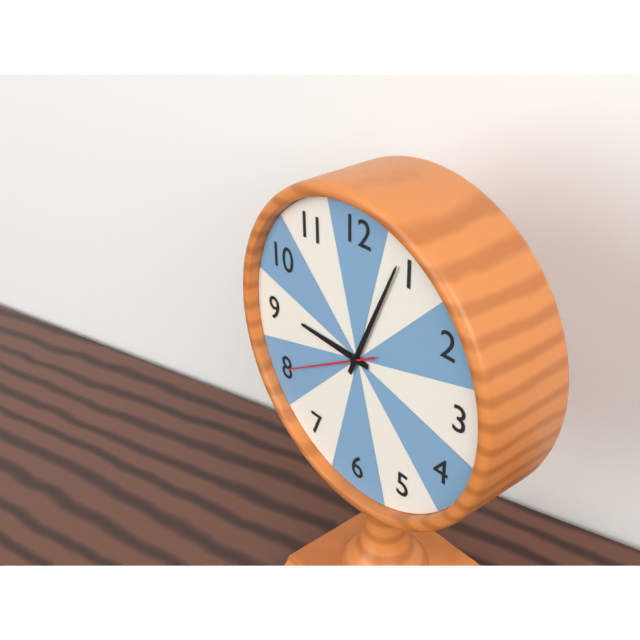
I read 9.04.40
